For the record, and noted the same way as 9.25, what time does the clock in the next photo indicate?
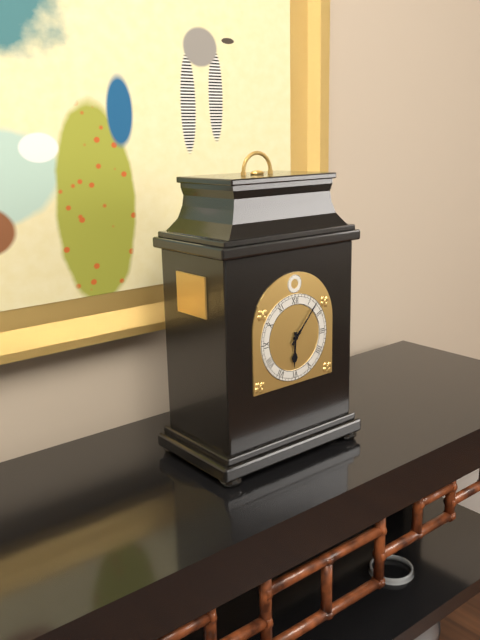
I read 6.07
